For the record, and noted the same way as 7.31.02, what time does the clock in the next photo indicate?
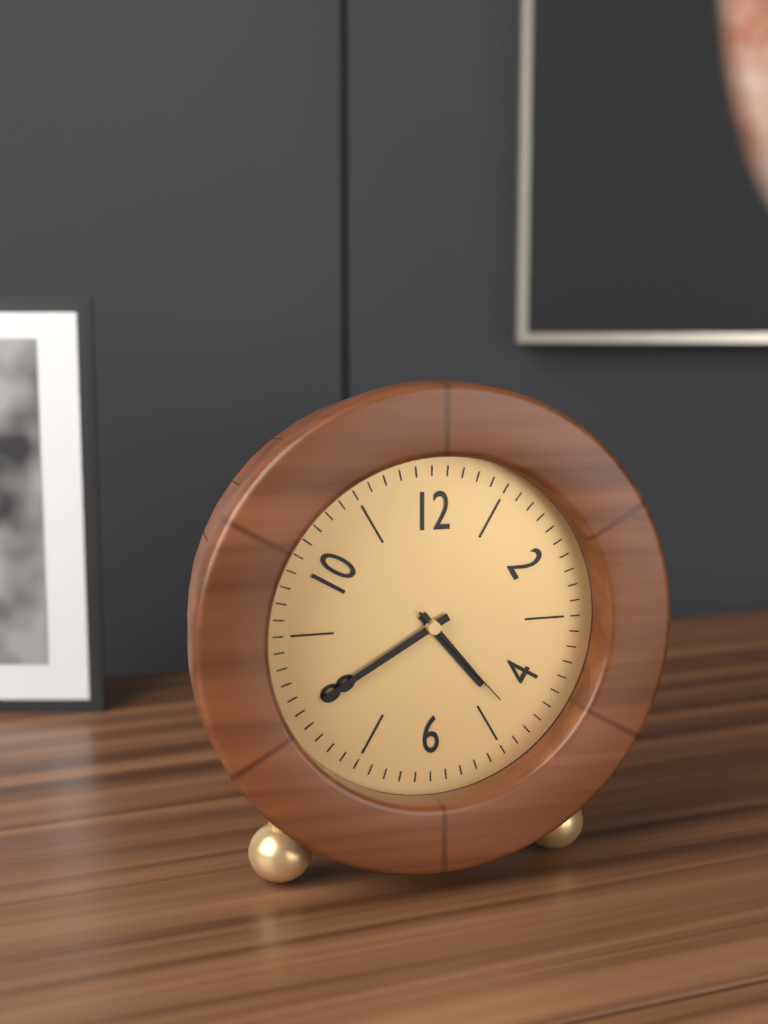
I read 4.40.23
